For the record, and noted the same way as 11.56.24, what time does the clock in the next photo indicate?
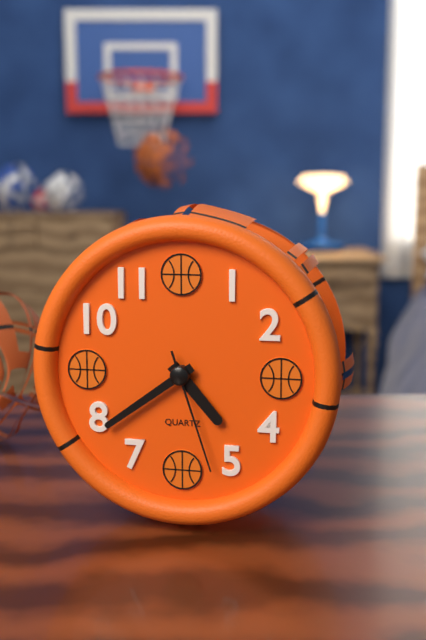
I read 4.39.27
